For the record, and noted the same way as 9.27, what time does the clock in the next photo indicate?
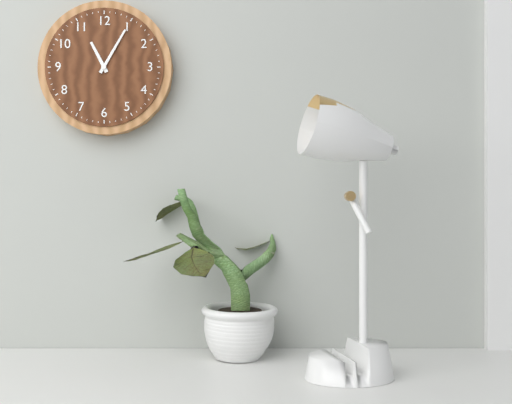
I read 11.05
